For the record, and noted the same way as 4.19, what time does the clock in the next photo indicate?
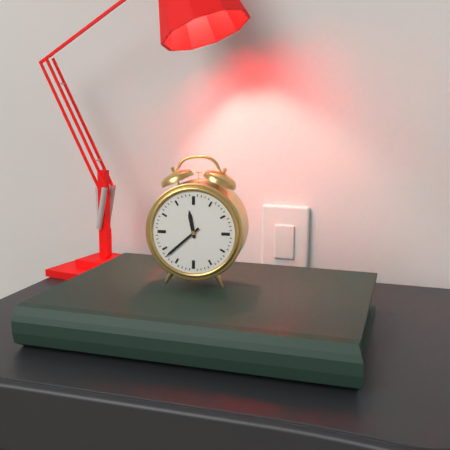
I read 11.38
